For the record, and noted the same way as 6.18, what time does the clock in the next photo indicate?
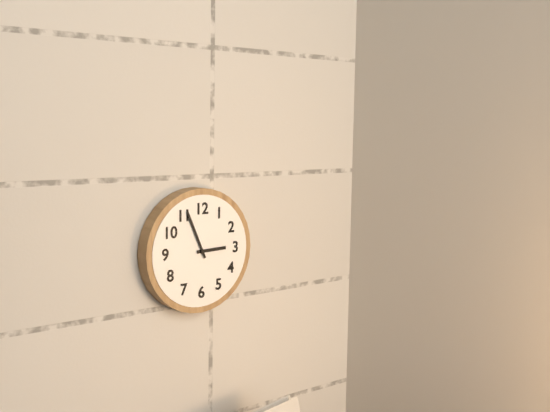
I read 2.56
